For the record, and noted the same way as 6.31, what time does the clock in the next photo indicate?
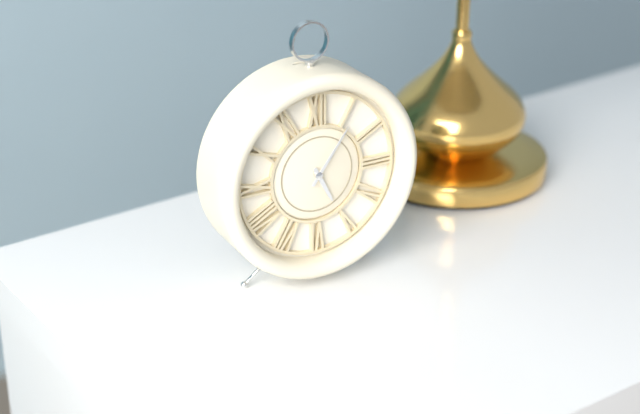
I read 5.06
